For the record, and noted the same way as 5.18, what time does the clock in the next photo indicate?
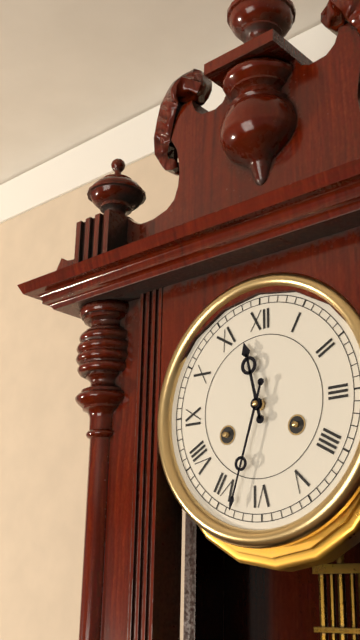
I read 11.33
